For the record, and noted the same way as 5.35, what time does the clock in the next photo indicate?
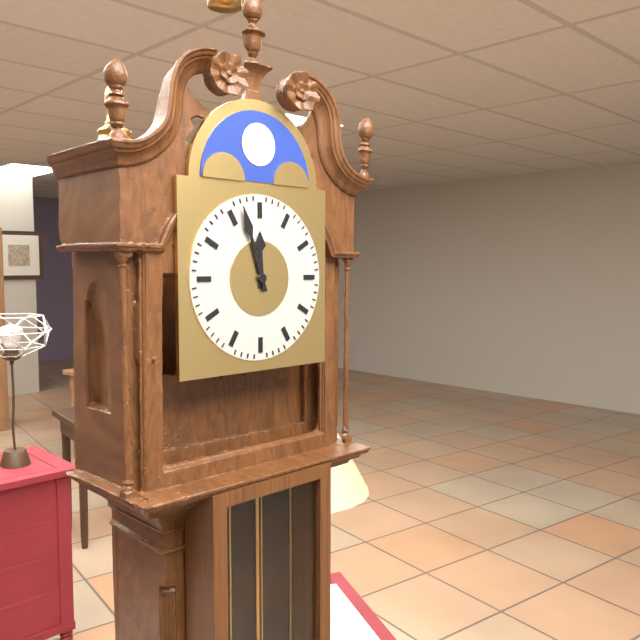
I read 11.57
